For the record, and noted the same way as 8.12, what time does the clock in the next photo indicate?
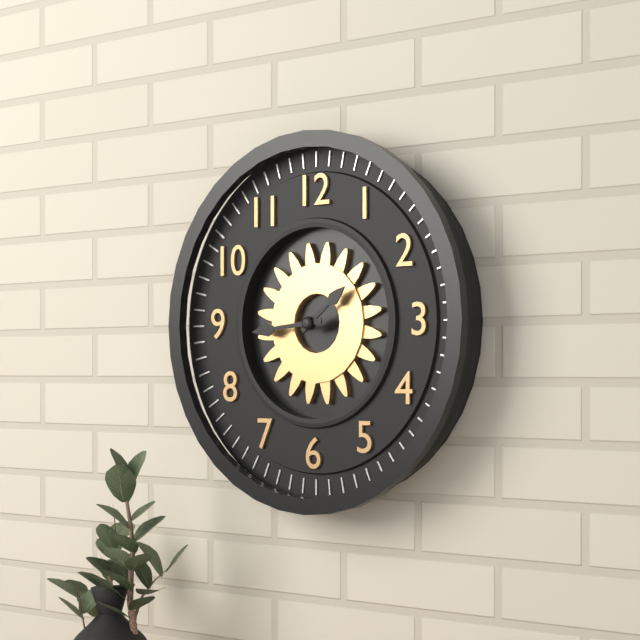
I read 1.44
